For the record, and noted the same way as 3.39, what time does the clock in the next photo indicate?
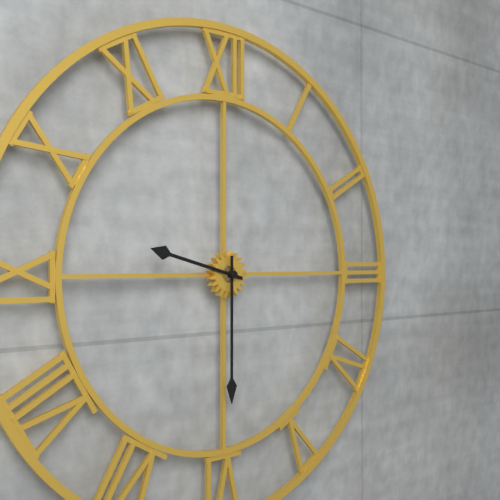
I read 9.30
